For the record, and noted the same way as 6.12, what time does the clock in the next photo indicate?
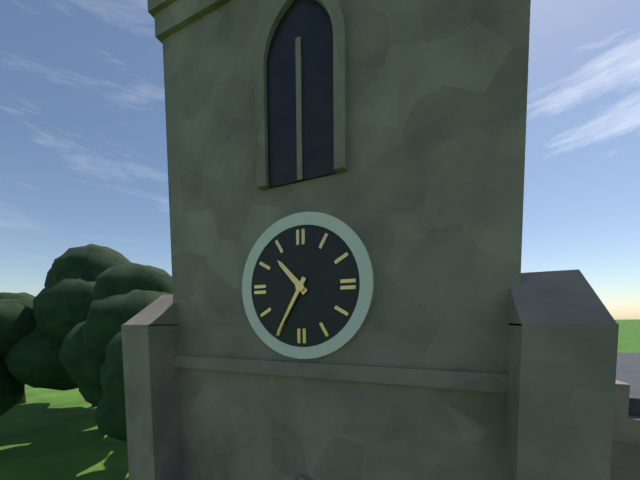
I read 10.35
